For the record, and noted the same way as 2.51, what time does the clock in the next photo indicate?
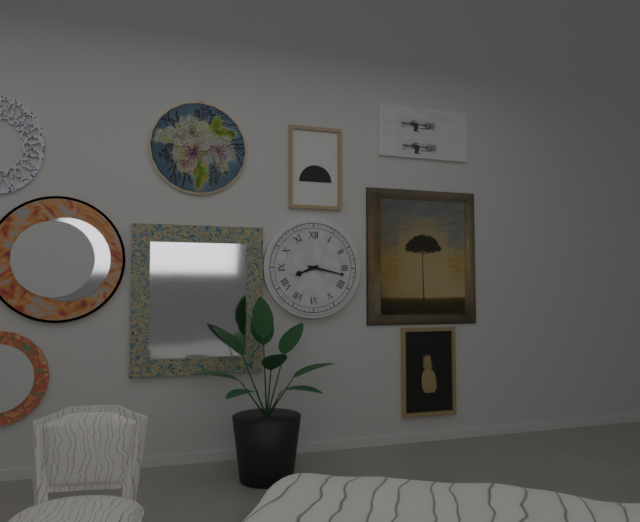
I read 8.17
